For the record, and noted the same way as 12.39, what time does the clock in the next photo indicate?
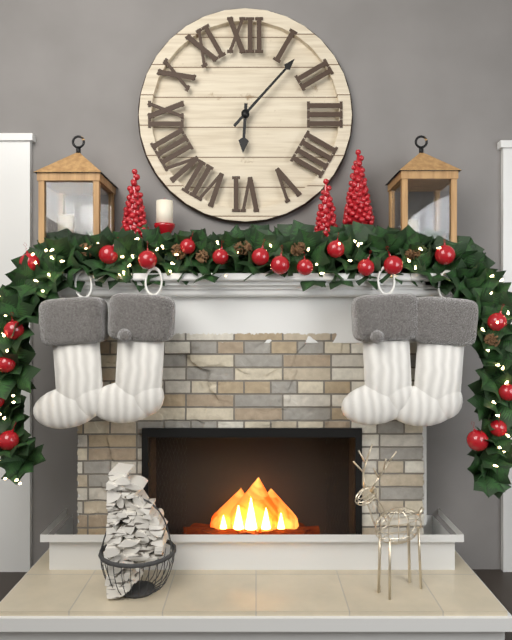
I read 6.07
